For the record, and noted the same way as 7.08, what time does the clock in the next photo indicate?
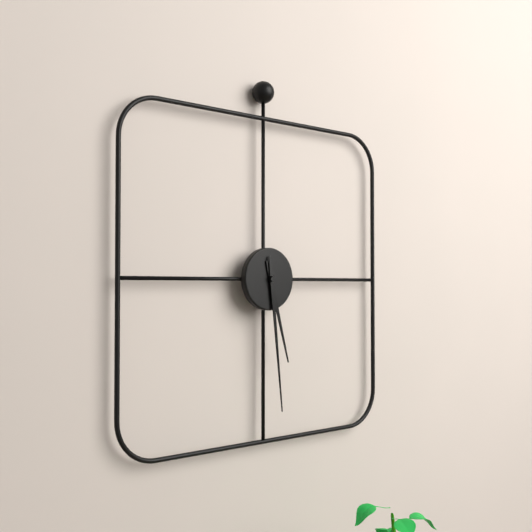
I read 5.29
